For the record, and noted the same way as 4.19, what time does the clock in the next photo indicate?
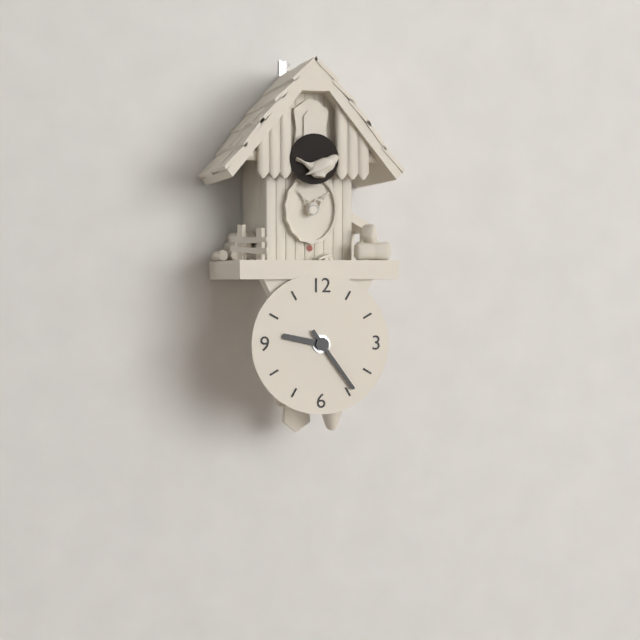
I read 9.24
